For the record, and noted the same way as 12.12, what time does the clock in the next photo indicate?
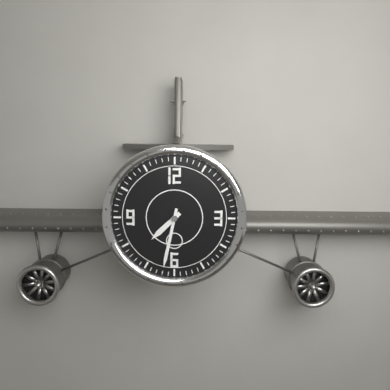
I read 7.32
